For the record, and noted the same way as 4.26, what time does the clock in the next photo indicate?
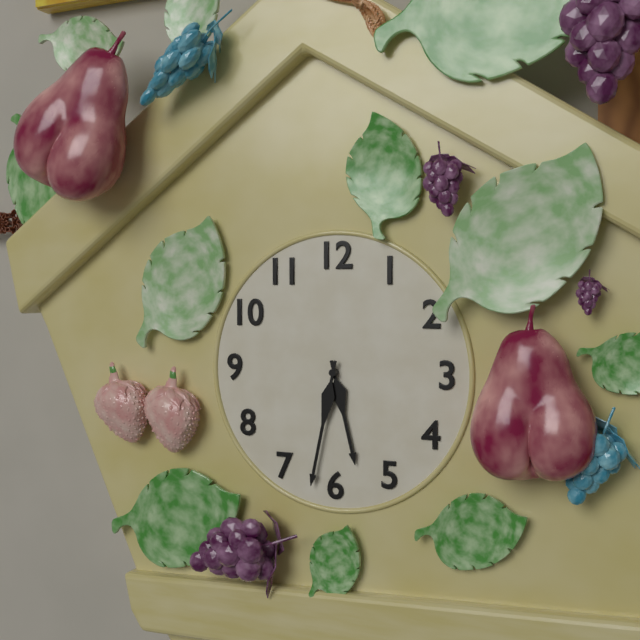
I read 5.32
